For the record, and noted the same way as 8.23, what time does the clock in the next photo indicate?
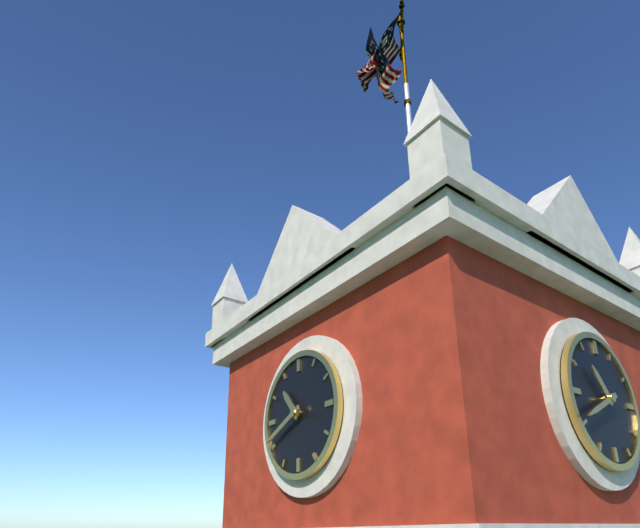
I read 10.41
